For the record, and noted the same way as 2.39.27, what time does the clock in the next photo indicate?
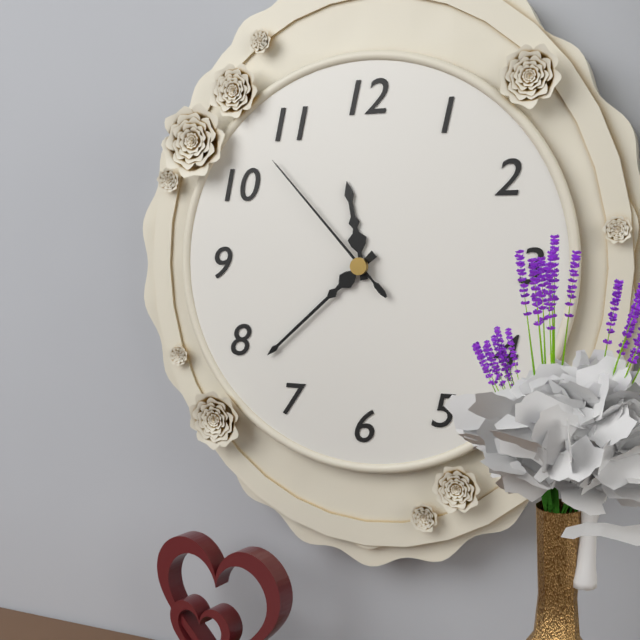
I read 11.38.53
